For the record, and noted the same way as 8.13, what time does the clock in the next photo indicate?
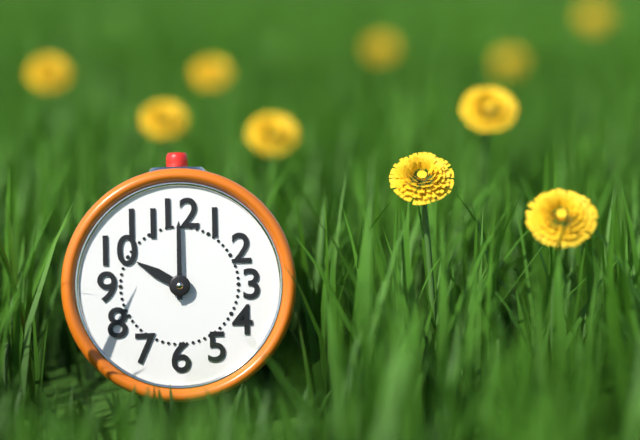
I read 10.00
